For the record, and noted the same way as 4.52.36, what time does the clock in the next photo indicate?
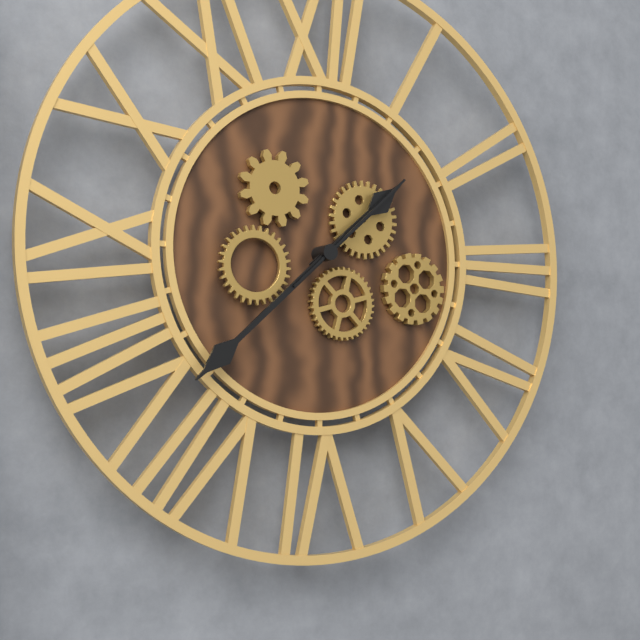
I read 1.38.08
